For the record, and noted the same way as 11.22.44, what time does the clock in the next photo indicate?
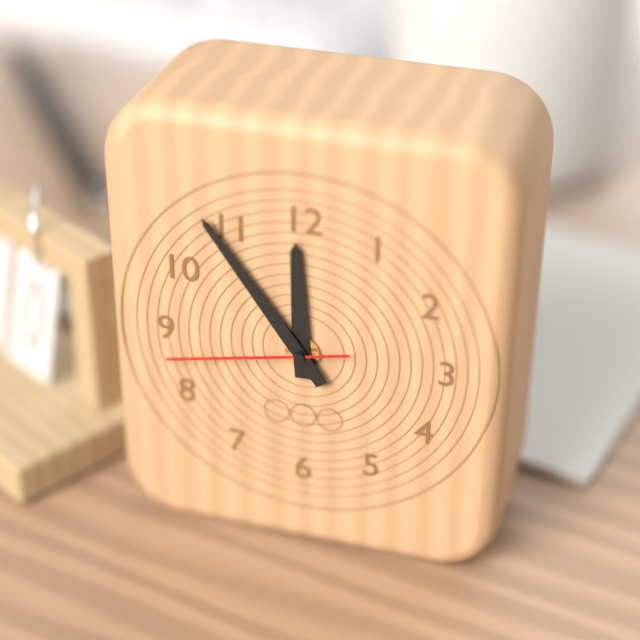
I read 11.54.43
